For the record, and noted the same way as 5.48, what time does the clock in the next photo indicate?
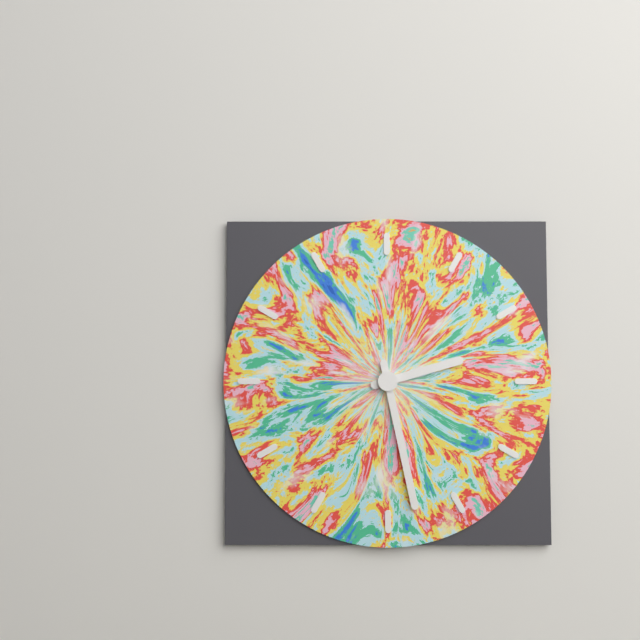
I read 2.28
